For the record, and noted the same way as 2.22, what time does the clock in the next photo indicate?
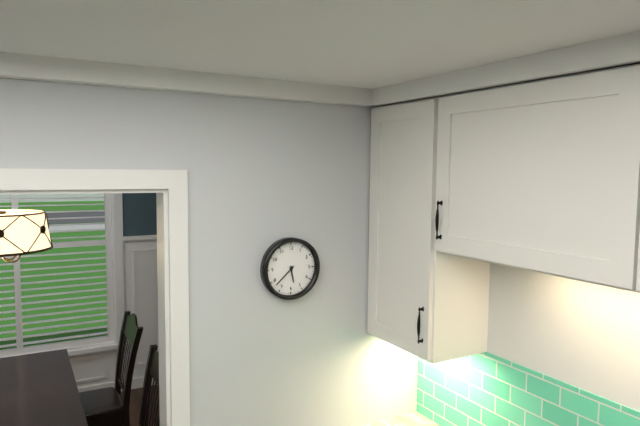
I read 5.38
